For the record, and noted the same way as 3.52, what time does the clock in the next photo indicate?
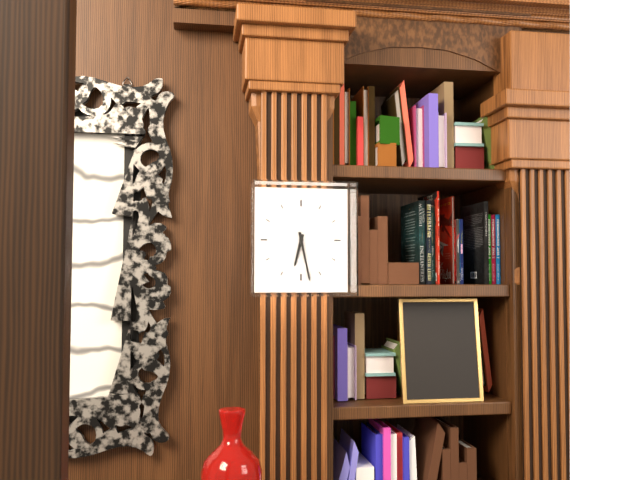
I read 6.28
